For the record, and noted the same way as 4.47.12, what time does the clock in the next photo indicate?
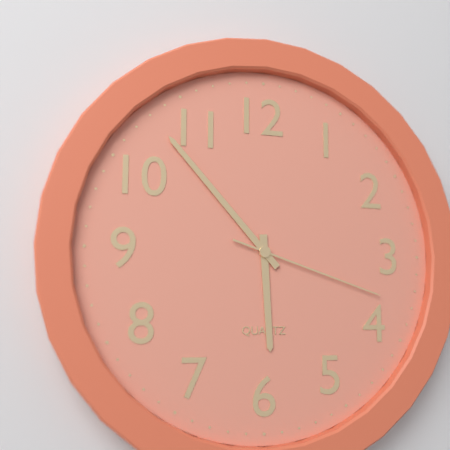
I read 5.53.18
